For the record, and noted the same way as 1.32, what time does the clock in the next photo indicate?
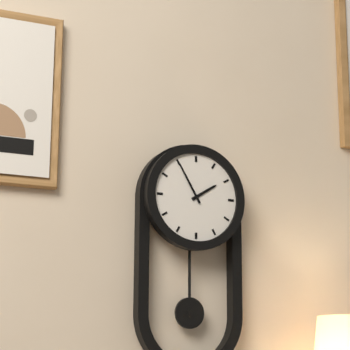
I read 1.55
